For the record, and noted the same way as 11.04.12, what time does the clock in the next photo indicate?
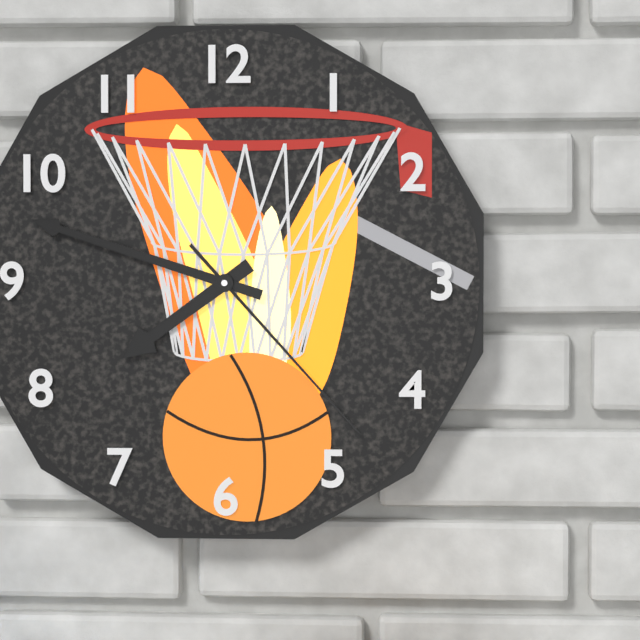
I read 7.48.23
